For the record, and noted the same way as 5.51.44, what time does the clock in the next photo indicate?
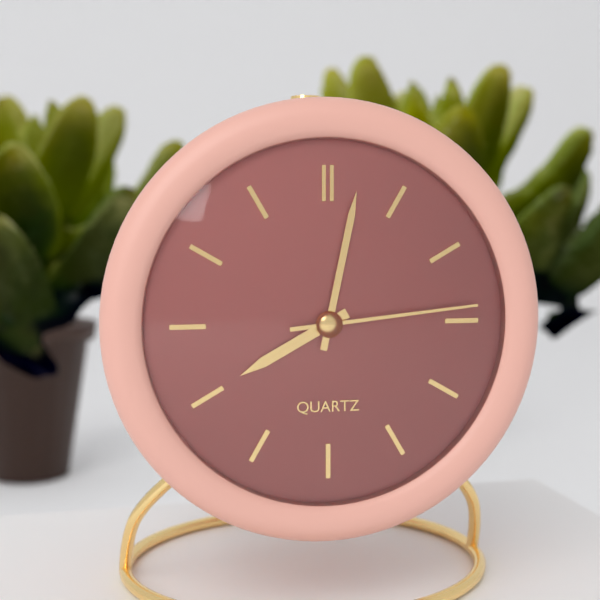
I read 8.02.14
